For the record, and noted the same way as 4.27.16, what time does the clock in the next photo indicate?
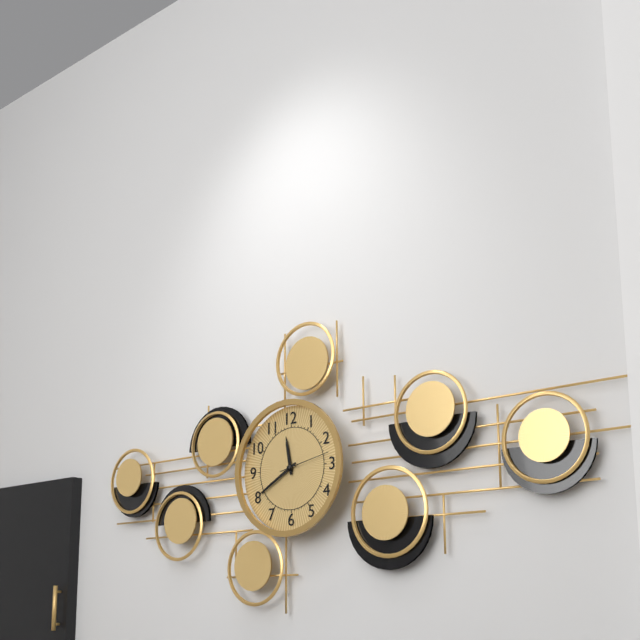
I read 11.40.13
